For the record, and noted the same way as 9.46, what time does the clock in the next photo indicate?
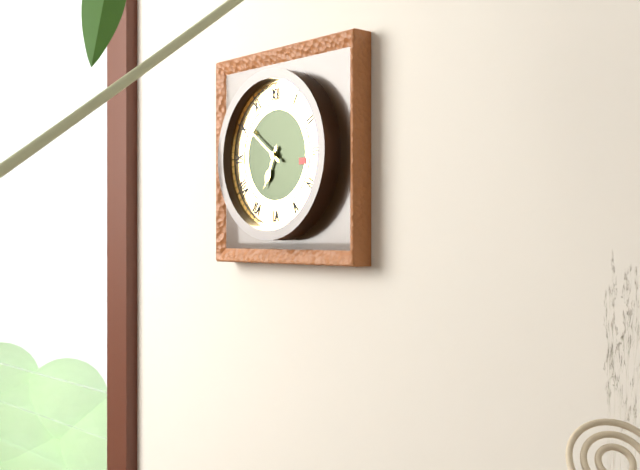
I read 6.51
